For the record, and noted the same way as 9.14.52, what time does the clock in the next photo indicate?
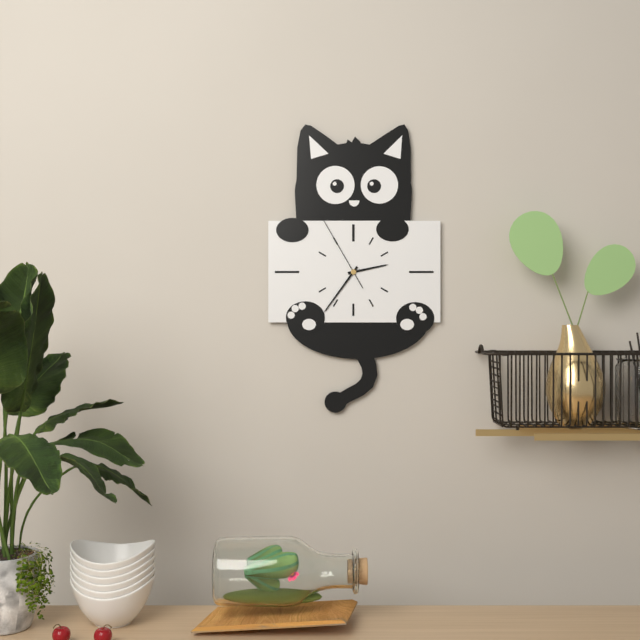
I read 2.36.55
